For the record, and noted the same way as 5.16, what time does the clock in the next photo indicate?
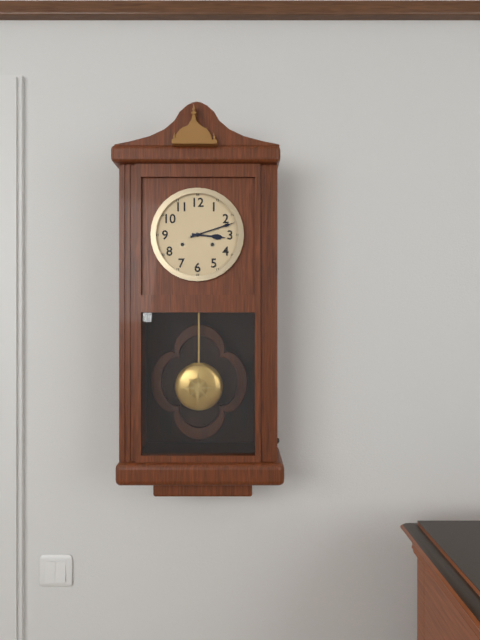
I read 3.12
